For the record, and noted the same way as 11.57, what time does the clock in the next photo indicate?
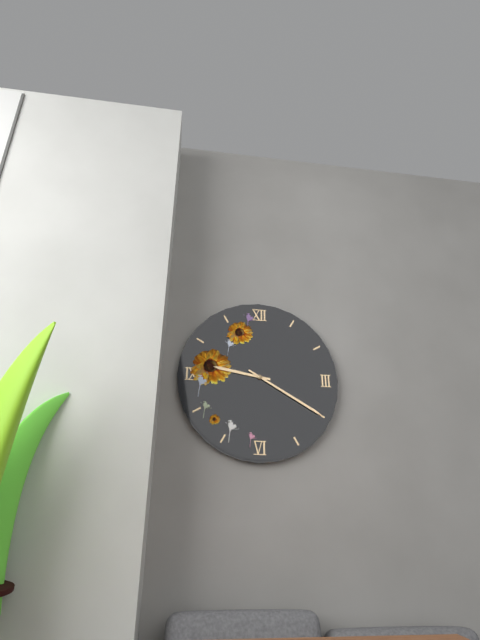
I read 9.20
